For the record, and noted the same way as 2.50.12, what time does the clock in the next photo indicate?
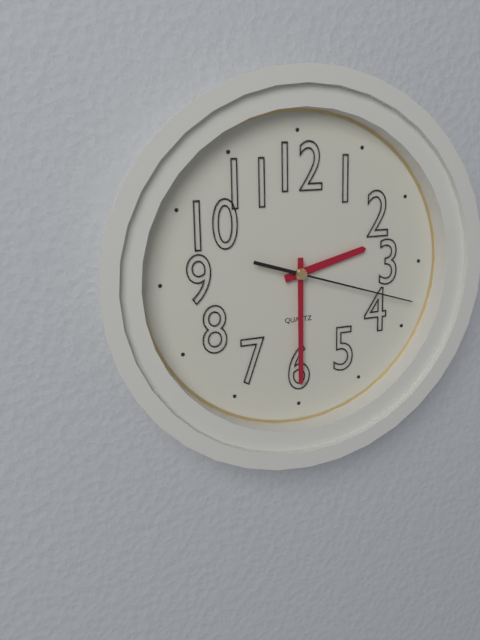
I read 2.30.18
